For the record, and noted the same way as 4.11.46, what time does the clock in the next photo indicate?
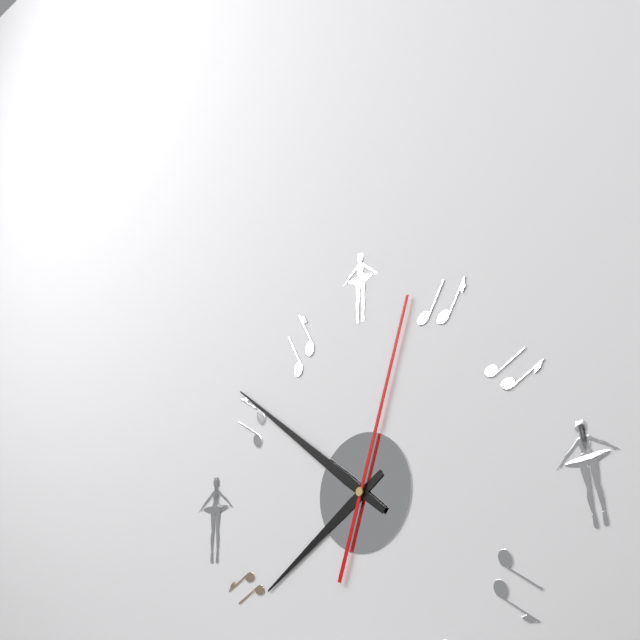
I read 7.51.03
